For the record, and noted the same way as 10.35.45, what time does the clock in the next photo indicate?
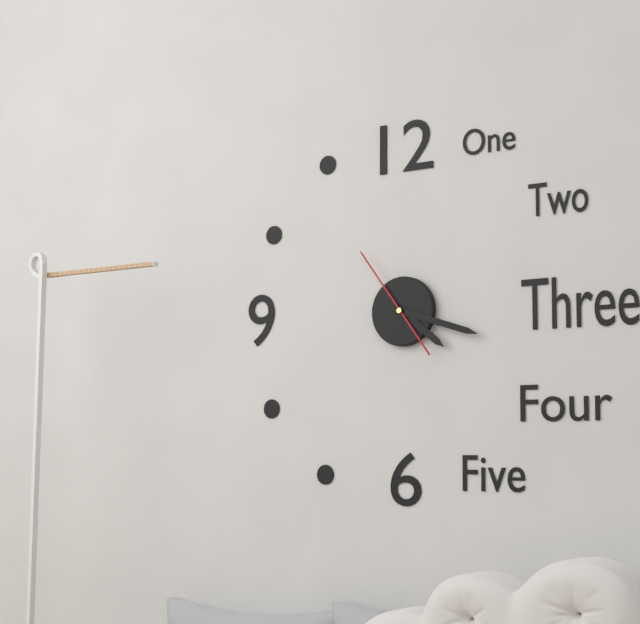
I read 4.18.54
